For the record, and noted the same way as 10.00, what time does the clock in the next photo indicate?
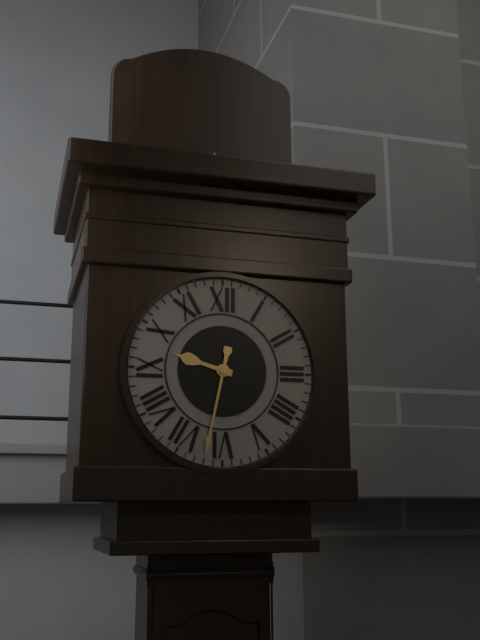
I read 9.32
